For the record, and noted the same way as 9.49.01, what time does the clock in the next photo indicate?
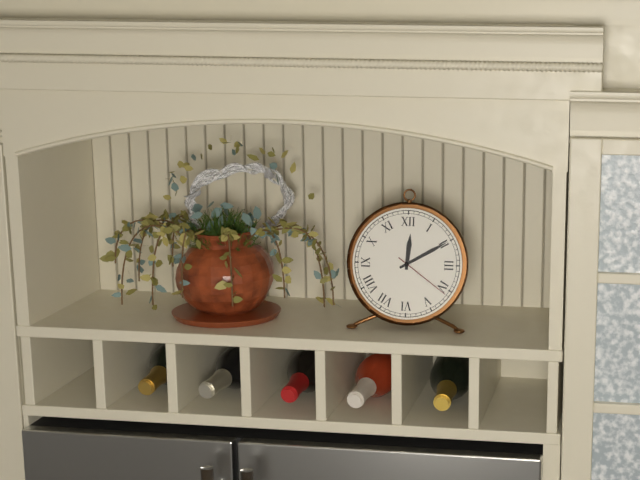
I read 12.10.21
